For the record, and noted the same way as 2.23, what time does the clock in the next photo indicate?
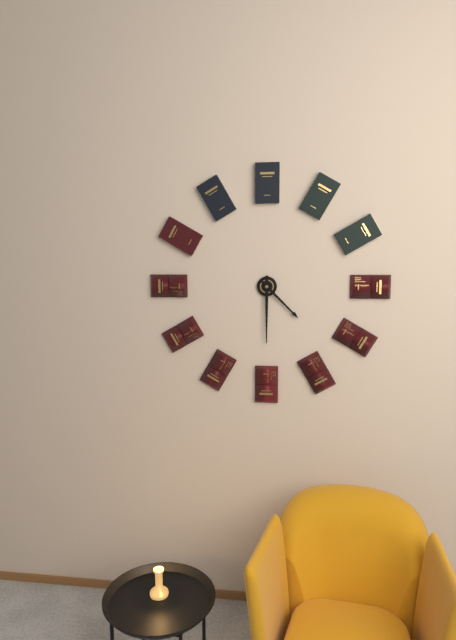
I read 4.30
